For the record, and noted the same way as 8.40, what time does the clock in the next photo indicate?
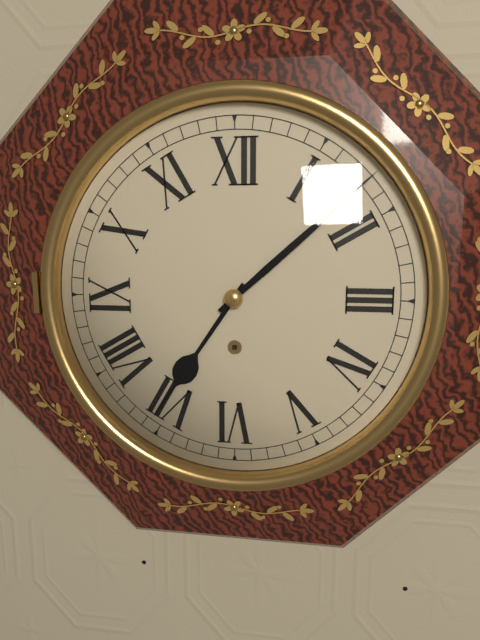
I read 7.08
